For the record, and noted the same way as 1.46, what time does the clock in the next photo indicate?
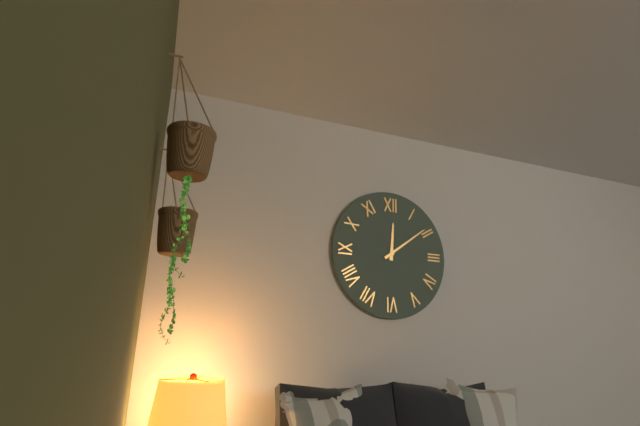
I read 12.09
